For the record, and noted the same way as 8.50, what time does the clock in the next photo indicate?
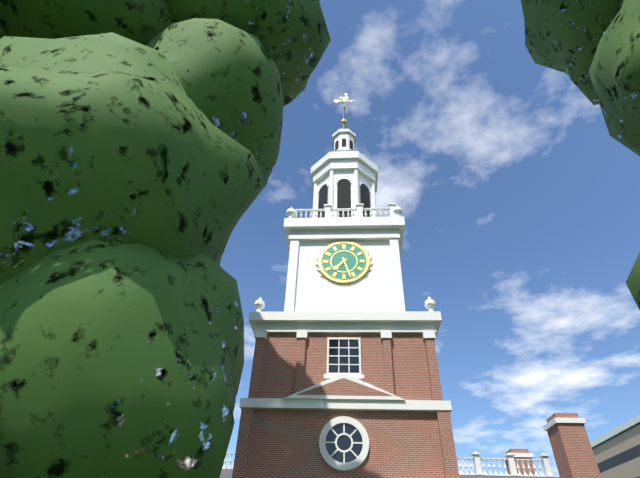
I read 7.27
